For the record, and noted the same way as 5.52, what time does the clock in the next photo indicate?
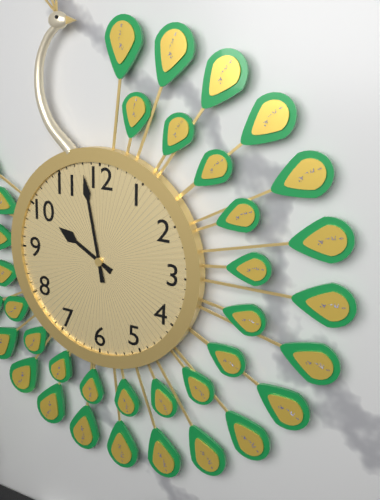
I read 9.58
